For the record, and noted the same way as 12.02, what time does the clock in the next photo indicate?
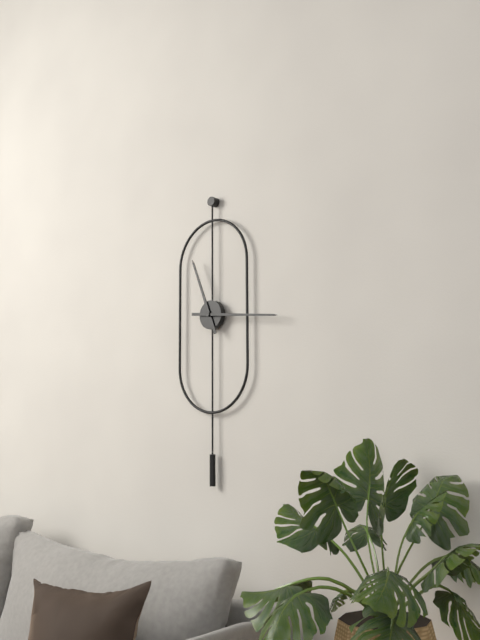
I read 11.16
